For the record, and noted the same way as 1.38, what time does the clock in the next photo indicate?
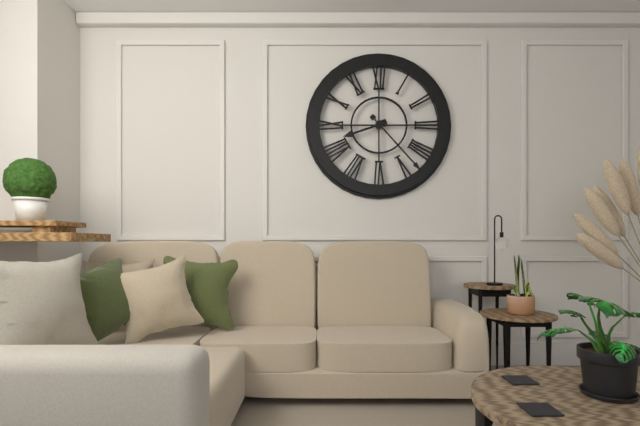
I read 8.23
